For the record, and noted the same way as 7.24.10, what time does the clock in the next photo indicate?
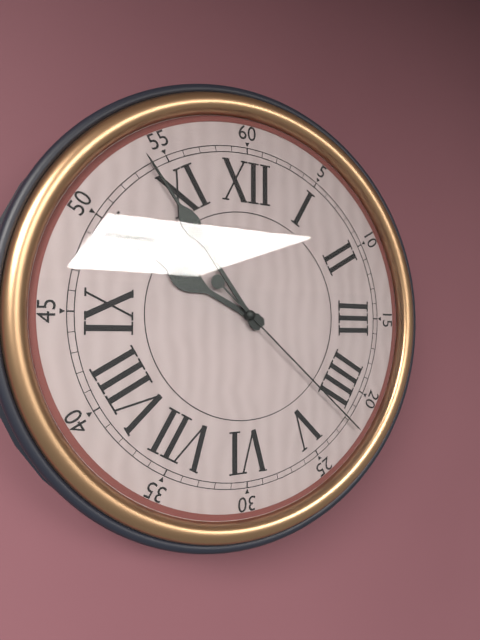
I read 9.54.22
